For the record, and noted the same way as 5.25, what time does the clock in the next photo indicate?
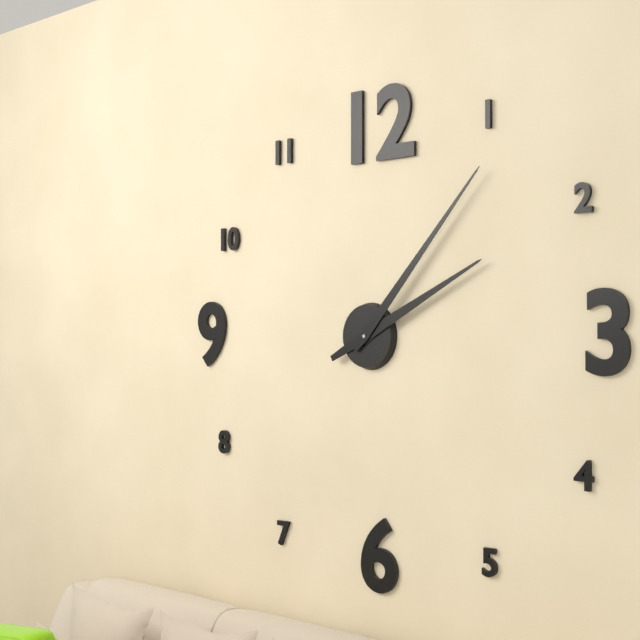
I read 2.07
